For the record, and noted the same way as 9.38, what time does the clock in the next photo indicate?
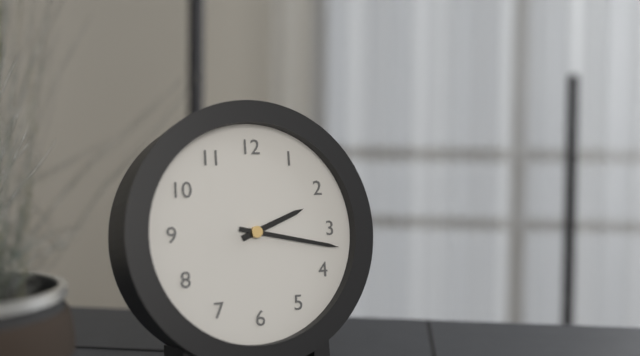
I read 2.17
